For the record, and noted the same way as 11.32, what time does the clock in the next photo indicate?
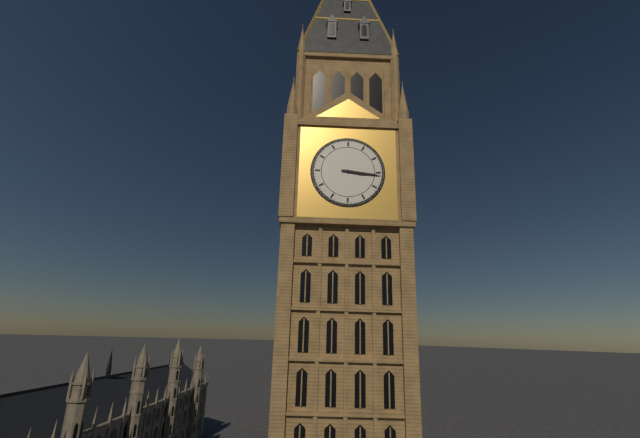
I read 3.16
